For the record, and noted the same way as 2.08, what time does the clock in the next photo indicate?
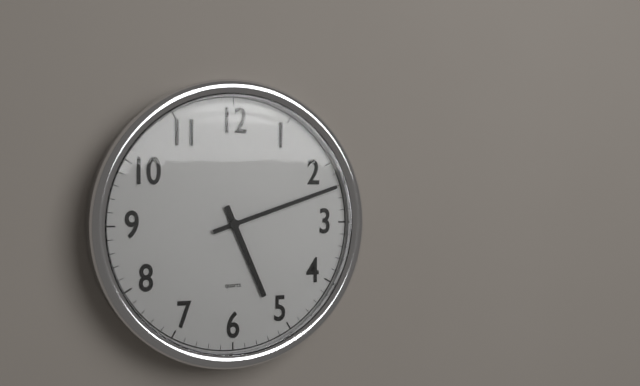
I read 5.12
